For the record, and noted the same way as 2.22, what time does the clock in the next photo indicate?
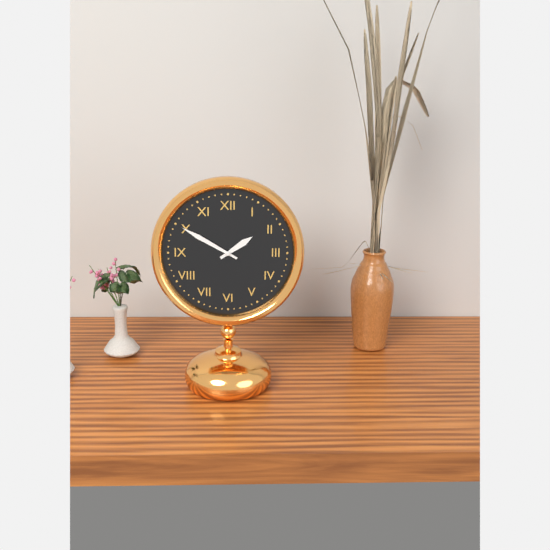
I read 1.50
